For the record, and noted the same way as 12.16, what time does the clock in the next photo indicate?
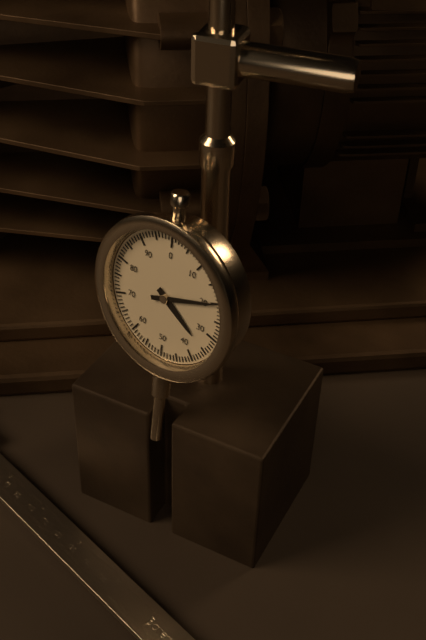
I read 4.12
